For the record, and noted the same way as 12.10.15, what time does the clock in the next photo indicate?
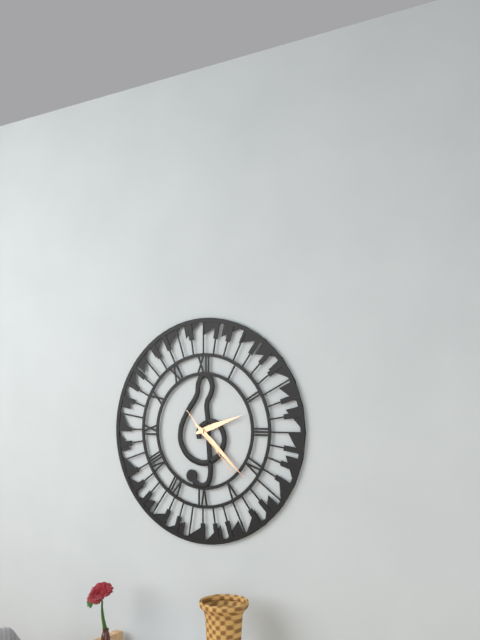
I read 2.22.23
